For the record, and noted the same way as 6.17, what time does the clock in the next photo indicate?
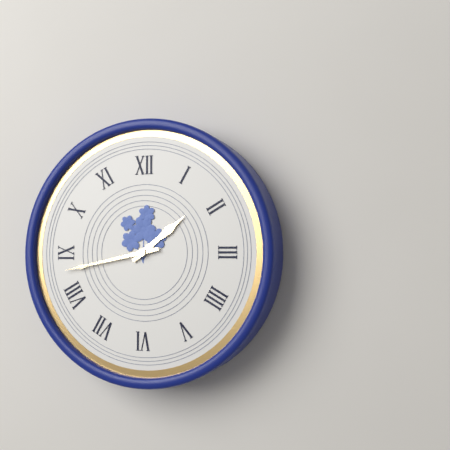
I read 1.43
